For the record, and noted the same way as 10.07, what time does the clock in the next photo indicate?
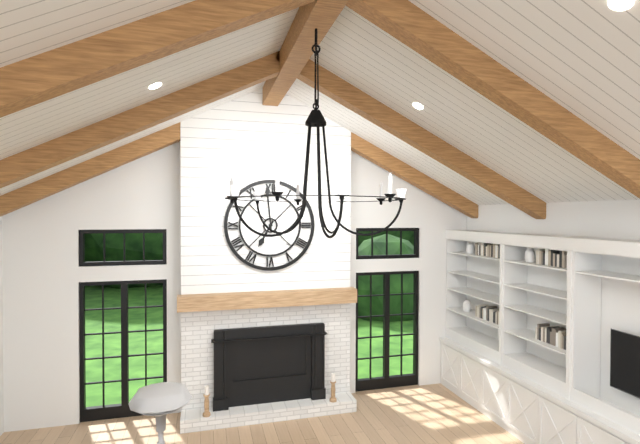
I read 6.59
